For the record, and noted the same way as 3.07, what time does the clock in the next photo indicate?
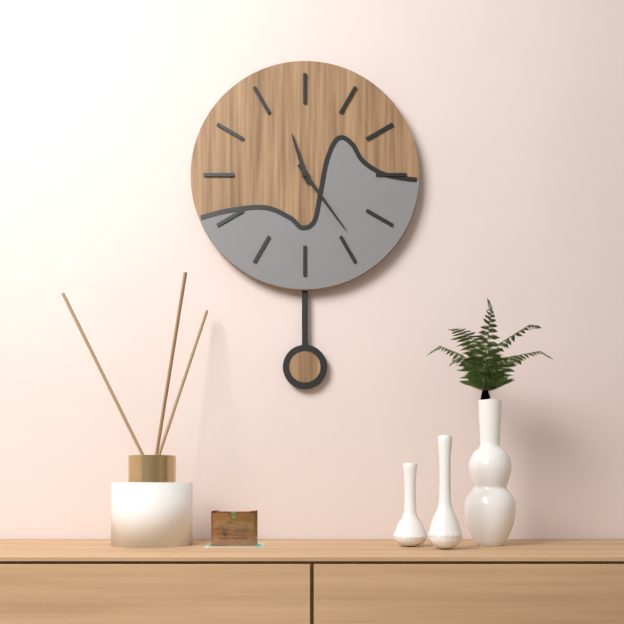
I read 11.24
